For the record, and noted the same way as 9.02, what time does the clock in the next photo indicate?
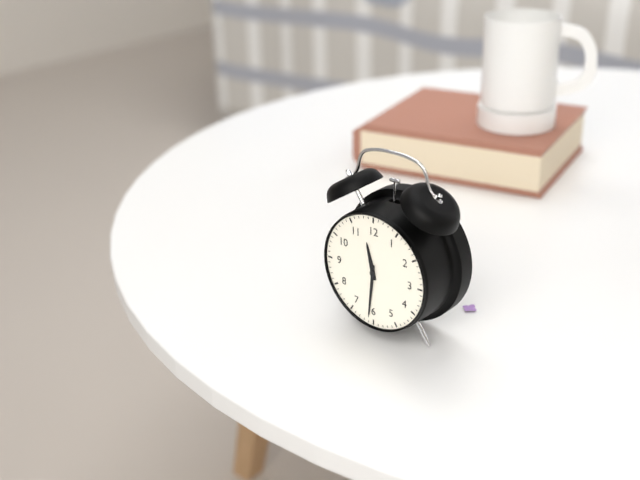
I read 11.31
